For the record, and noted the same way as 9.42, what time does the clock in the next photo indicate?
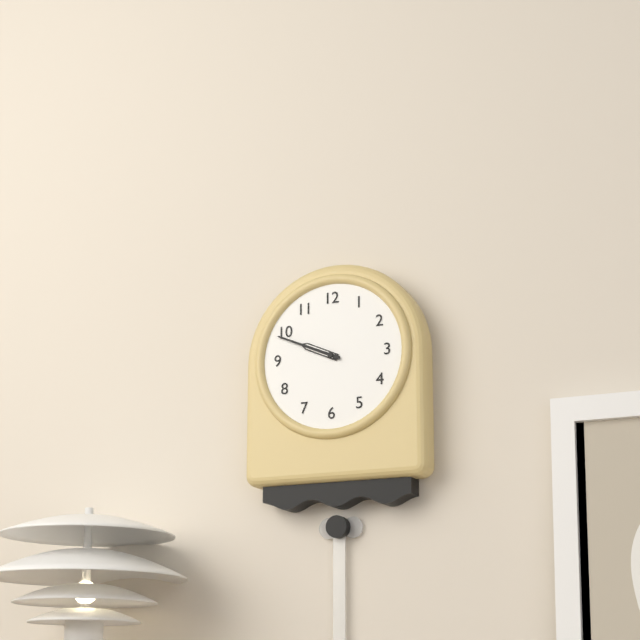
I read 9.49
